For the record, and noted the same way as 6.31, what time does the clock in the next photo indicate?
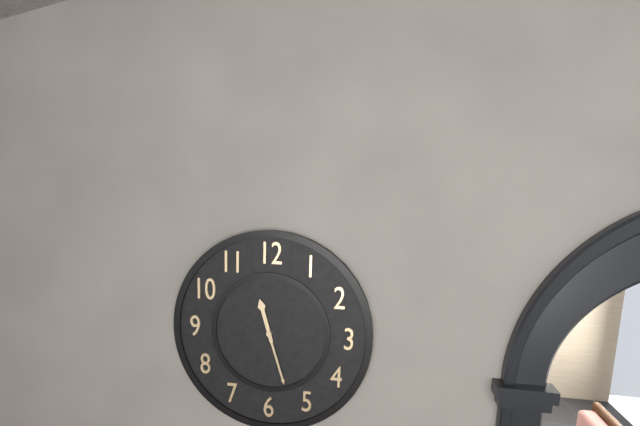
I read 11.27
